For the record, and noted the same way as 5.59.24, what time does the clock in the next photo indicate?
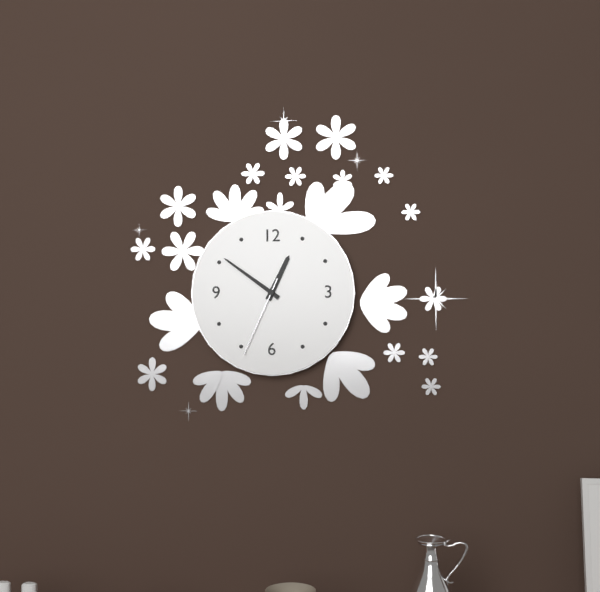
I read 12.51.34
